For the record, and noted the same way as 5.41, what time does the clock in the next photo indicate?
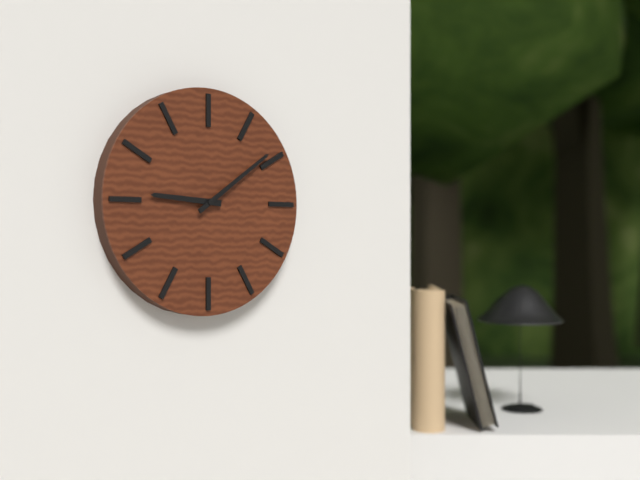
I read 9.09
